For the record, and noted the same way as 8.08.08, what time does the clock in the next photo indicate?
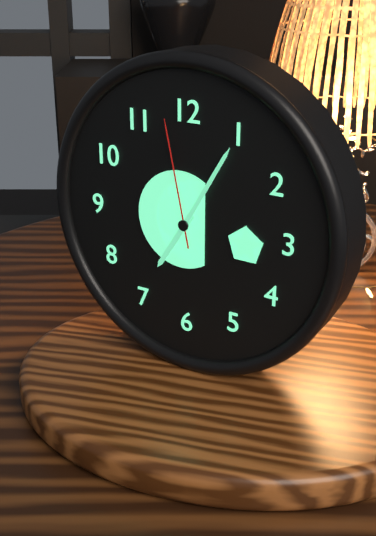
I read 7.05.58
